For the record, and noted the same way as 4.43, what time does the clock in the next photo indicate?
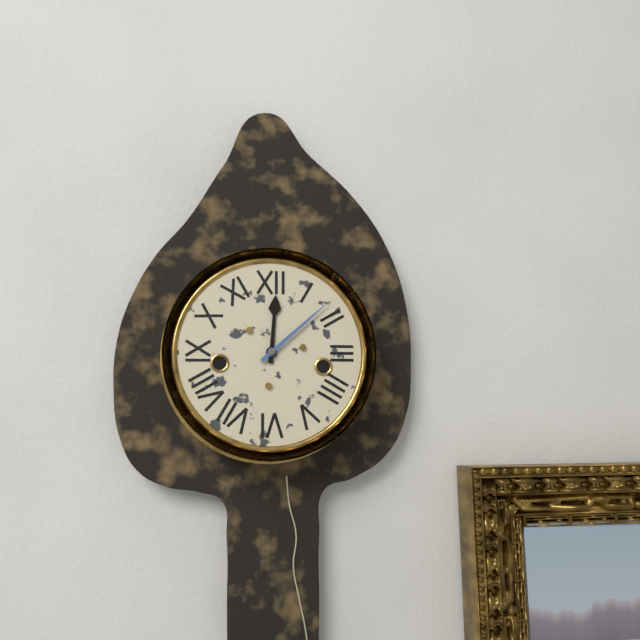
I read 12.08
